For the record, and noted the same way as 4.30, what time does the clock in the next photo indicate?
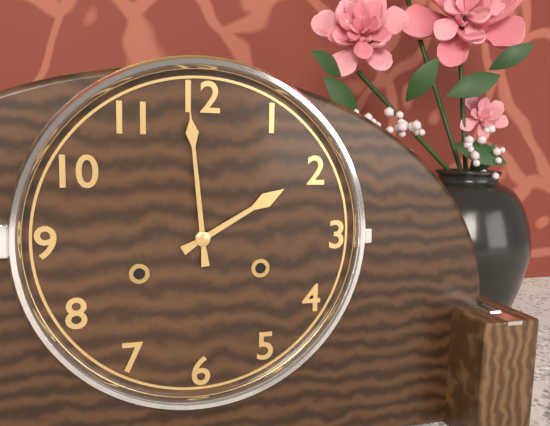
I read 1.59
